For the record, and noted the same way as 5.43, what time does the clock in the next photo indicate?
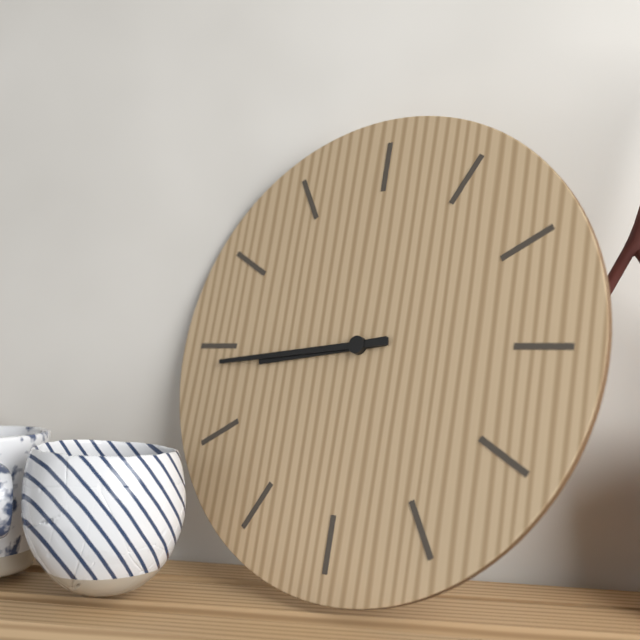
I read 8.44
